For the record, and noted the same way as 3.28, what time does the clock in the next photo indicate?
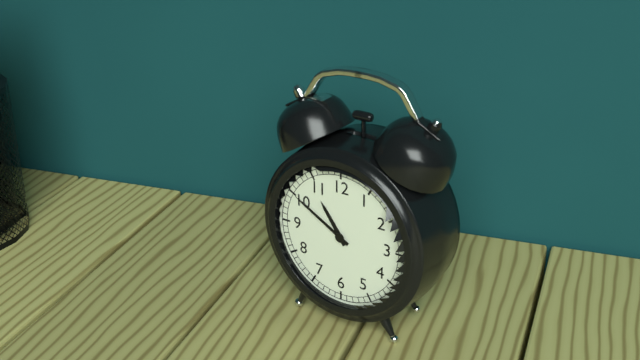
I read 10.50
